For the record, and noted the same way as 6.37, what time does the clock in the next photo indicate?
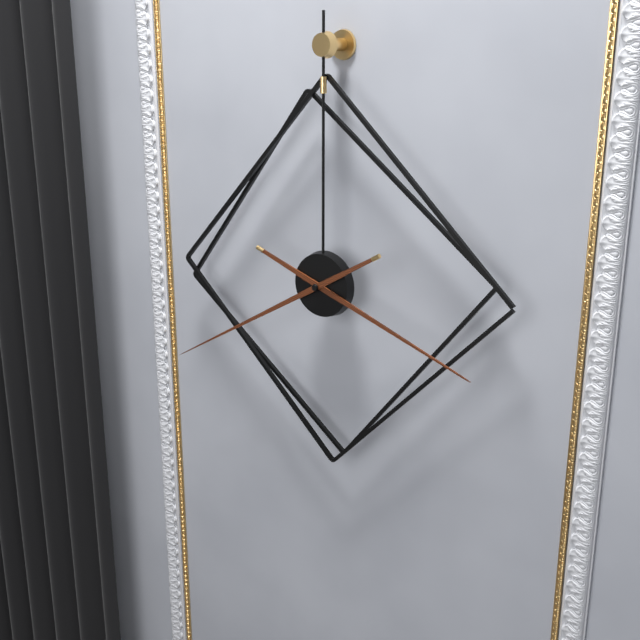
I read 3.40
